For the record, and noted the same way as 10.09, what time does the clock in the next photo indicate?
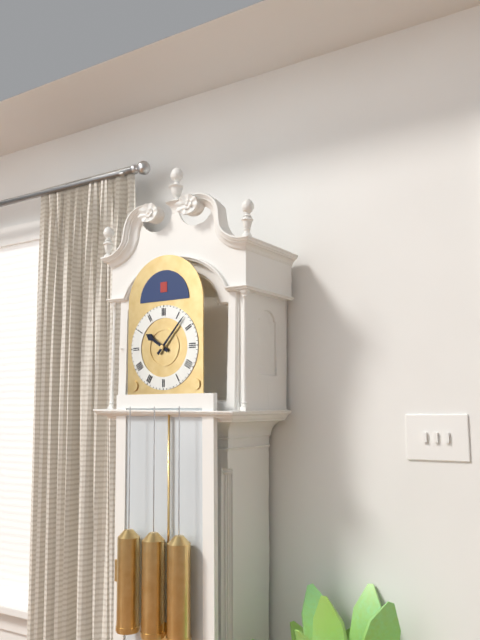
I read 10.07
